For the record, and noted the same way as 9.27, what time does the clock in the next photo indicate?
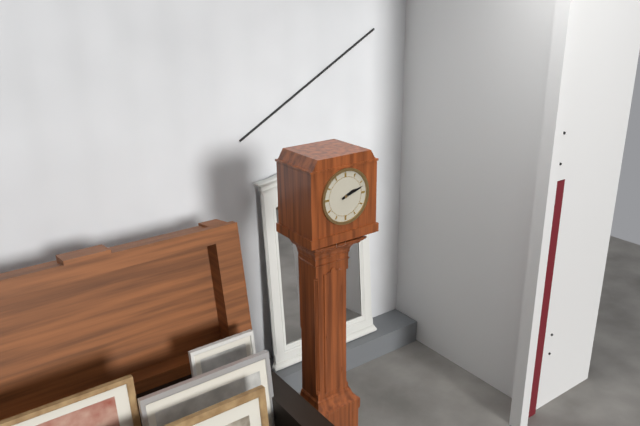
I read 2.12
